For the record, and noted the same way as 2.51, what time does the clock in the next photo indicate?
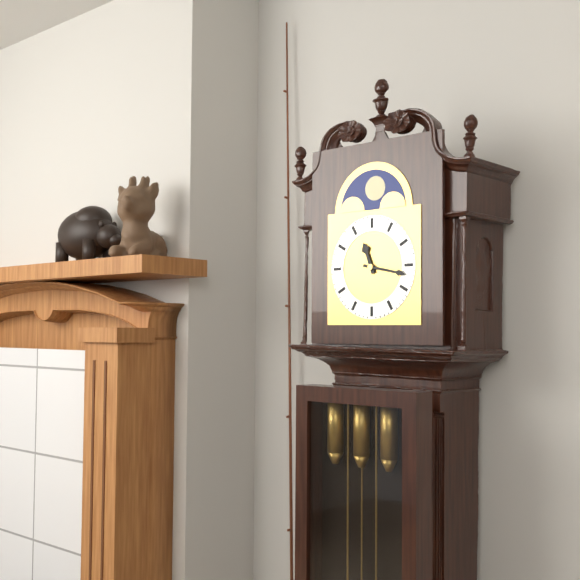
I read 11.17
